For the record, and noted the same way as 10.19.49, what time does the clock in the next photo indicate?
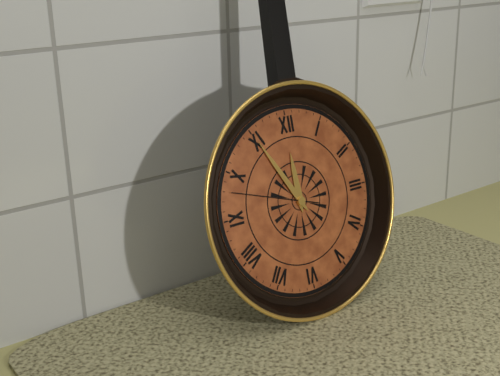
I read 11.55.48
